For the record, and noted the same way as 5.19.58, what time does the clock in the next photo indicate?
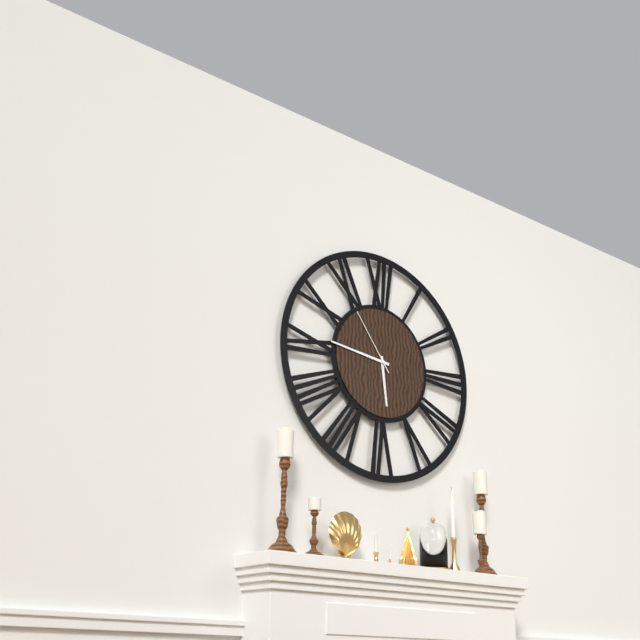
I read 5.46.54
